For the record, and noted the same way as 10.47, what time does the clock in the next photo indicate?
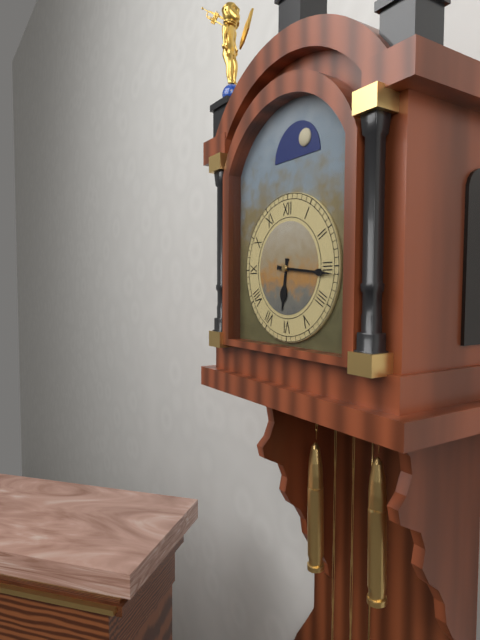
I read 6.16
